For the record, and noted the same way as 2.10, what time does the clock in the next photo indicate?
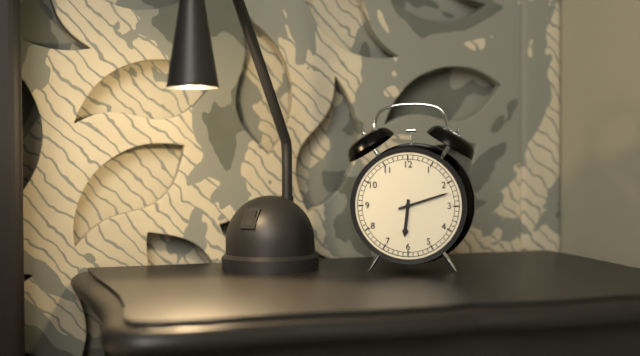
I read 6.12
